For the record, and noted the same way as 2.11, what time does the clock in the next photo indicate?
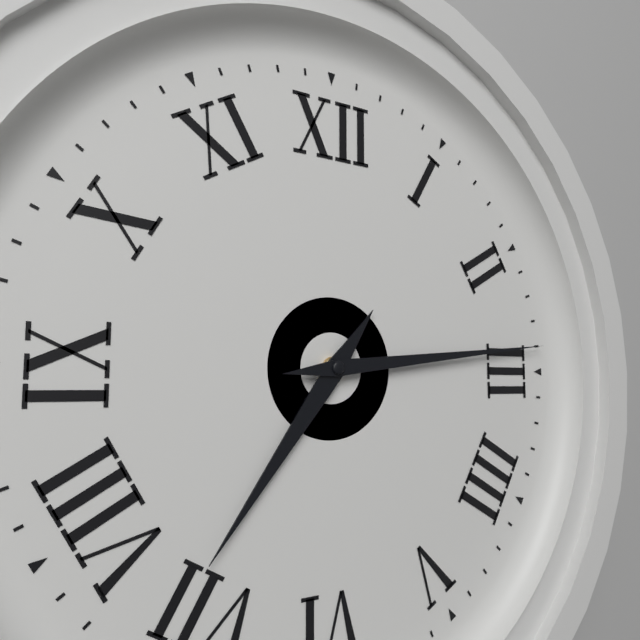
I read 7.14
